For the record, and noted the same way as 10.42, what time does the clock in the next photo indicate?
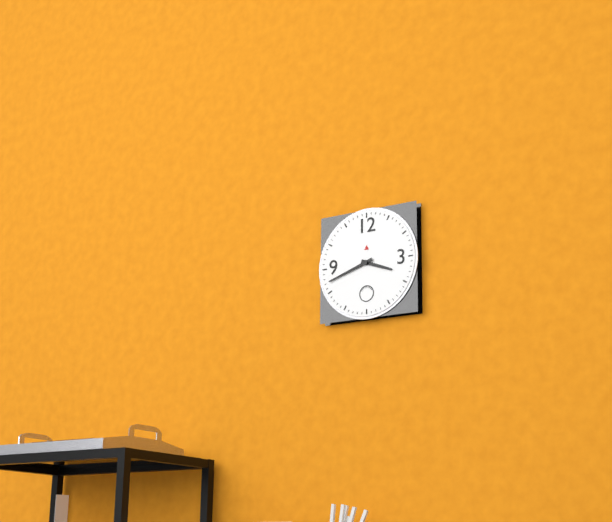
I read 3.42
